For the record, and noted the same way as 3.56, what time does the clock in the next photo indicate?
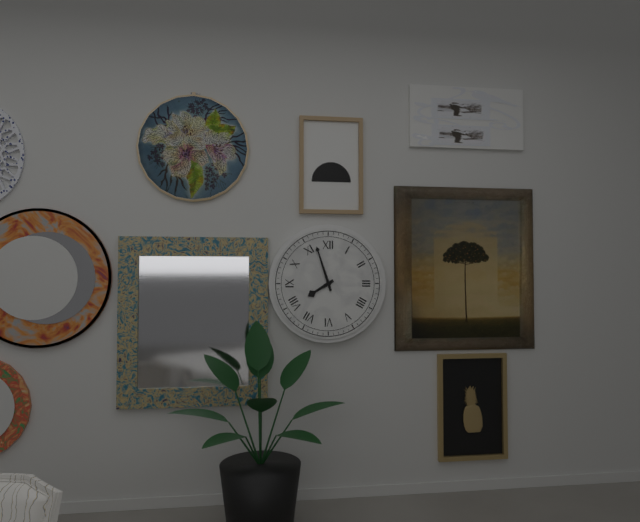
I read 7.57
